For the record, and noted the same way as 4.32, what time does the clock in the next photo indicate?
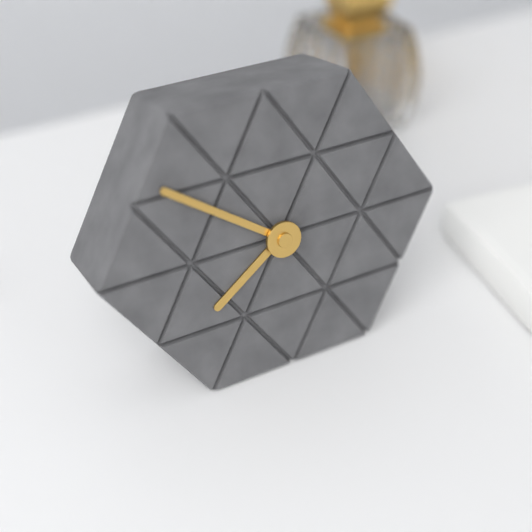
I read 7.51
